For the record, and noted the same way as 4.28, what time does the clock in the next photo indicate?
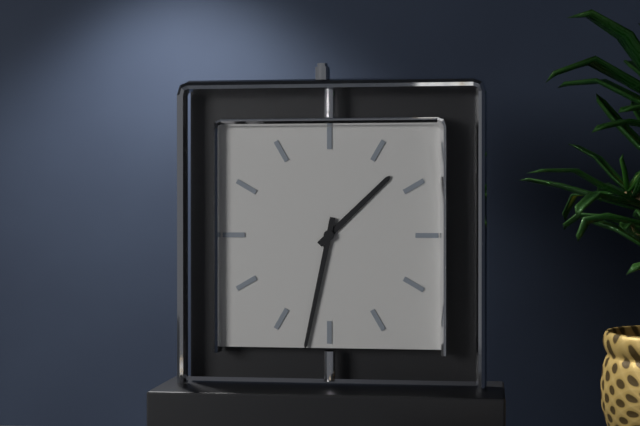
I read 1.32
